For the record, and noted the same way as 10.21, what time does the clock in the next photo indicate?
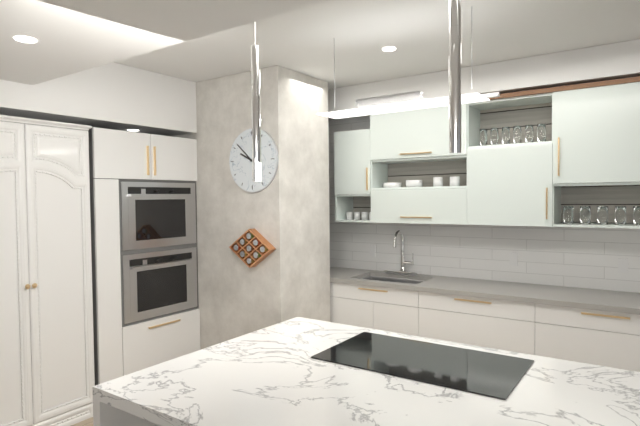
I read 9.52
